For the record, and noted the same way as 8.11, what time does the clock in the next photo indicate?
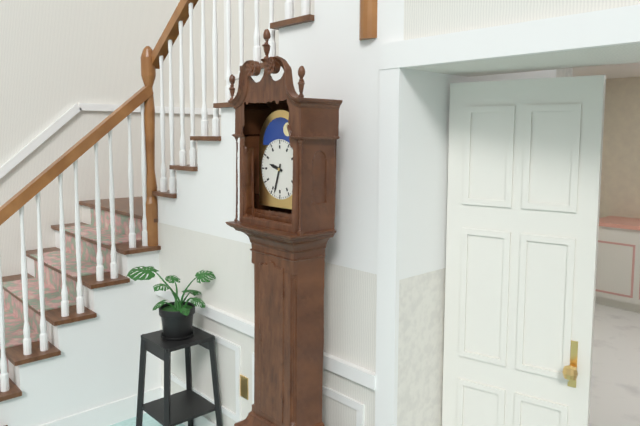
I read 9.33
